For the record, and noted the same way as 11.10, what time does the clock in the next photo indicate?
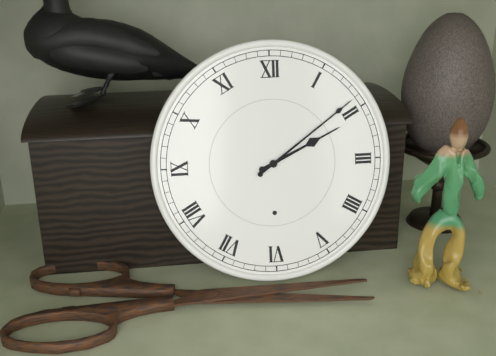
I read 2.09
